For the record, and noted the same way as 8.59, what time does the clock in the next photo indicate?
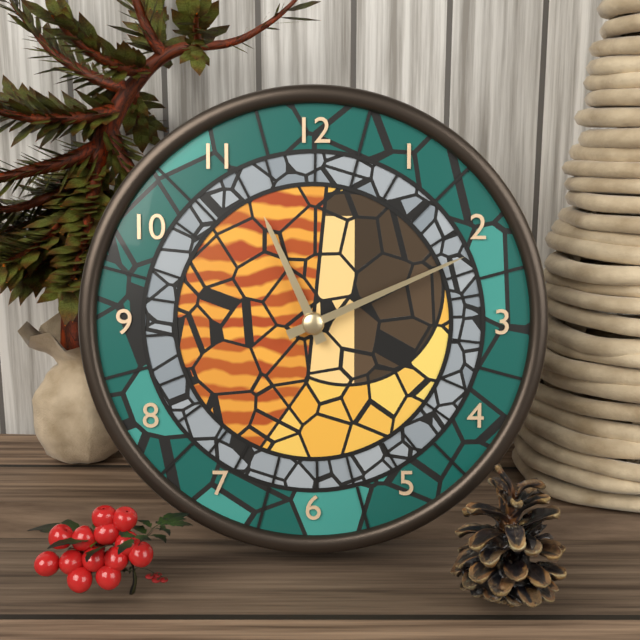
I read 11.11
